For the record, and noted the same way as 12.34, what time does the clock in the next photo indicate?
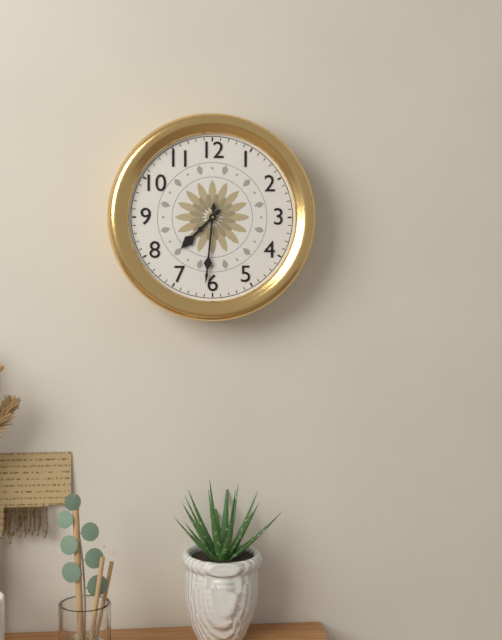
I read 7.31
